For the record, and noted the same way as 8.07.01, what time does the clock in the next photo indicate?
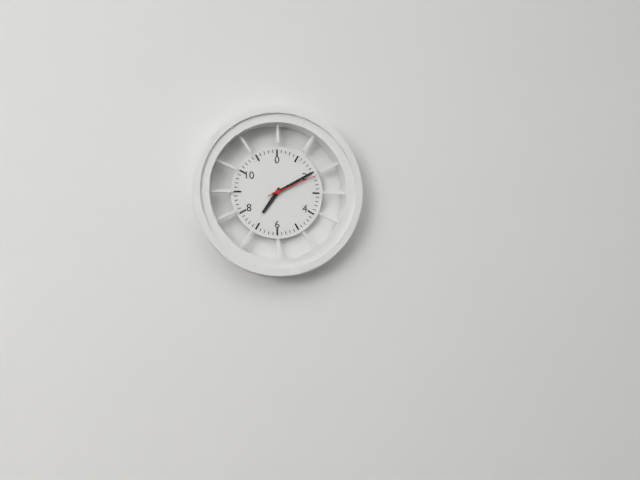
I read 7.10.11
